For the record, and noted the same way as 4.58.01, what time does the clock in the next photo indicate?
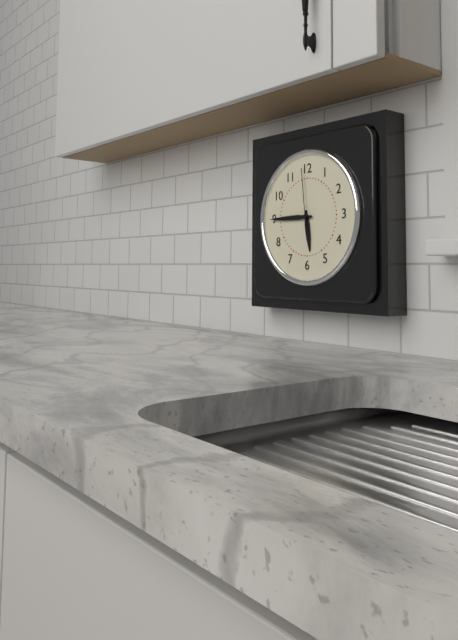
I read 5.45.59
